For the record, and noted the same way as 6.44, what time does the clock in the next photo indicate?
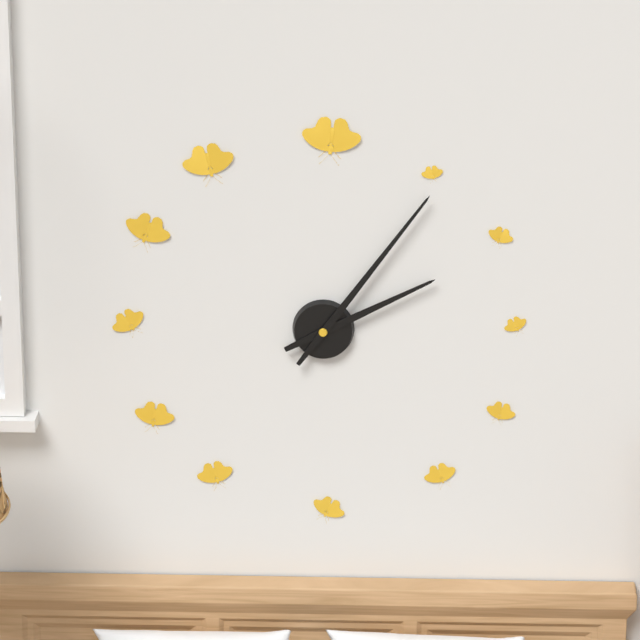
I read 2.06
